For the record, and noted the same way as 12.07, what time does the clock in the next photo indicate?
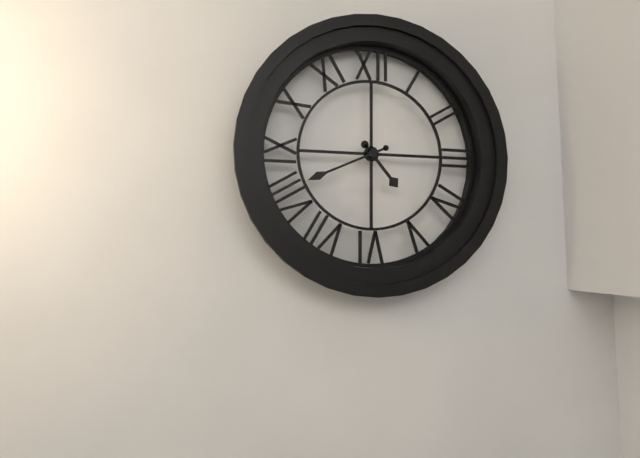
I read 4.41
